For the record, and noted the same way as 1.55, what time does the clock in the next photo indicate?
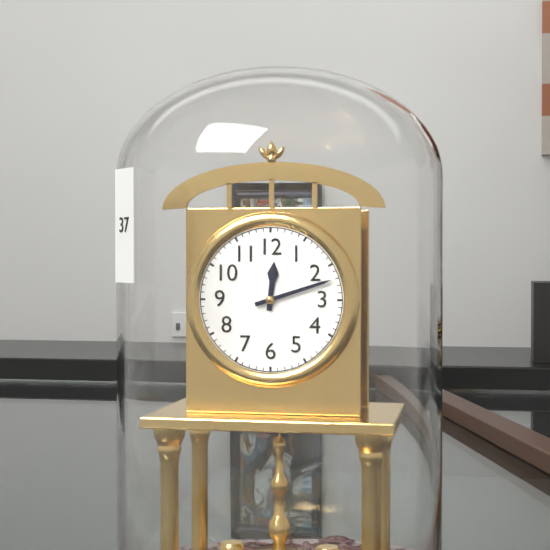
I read 12.12
